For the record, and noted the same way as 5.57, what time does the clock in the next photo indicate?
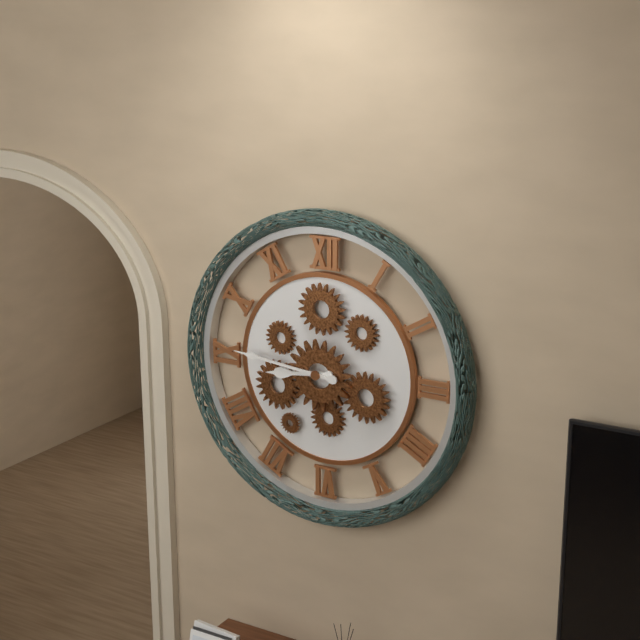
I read 8.46
